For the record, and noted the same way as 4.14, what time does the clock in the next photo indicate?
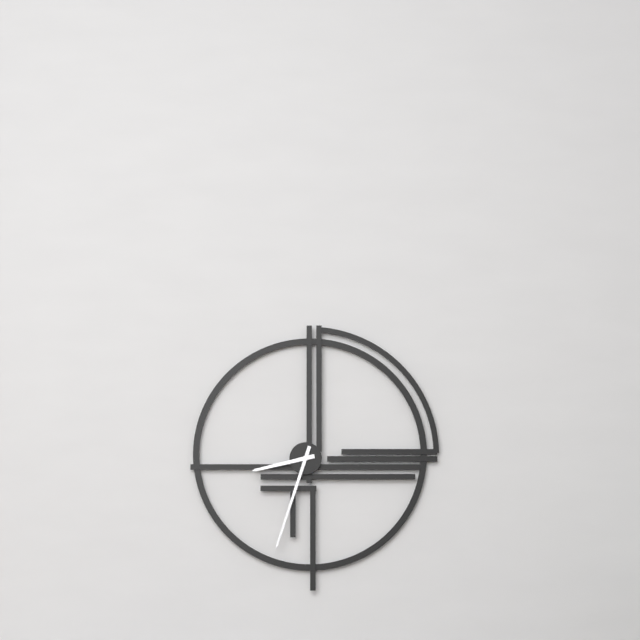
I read 8.33
